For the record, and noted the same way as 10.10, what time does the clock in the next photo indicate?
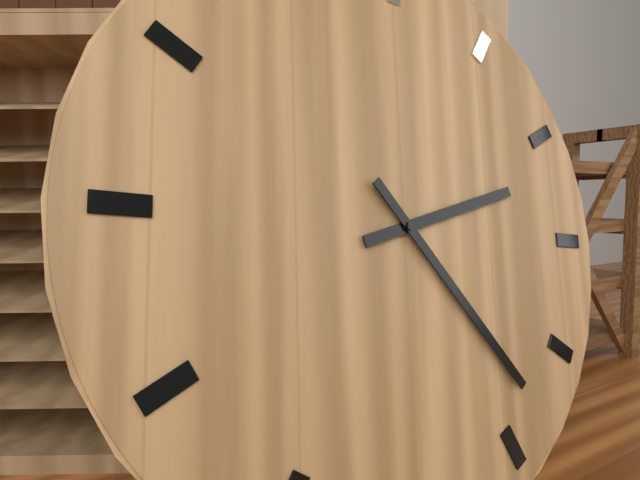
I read 2.23
